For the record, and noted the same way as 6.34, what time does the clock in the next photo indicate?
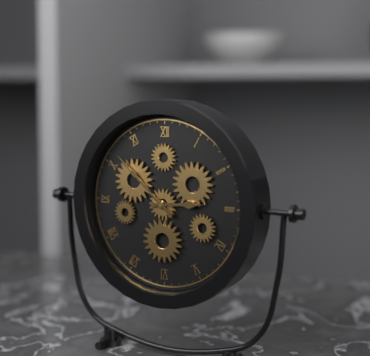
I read 2.52
